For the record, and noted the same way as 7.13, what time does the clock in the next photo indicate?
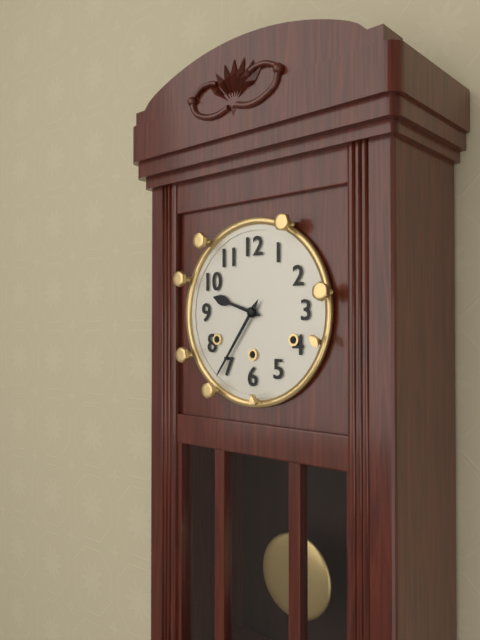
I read 9.36
